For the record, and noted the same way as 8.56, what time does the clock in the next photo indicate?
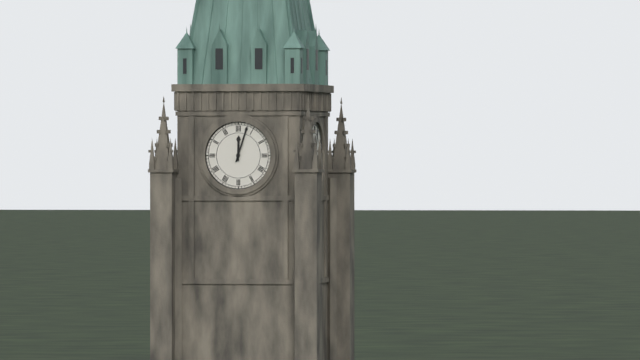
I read 12.03
